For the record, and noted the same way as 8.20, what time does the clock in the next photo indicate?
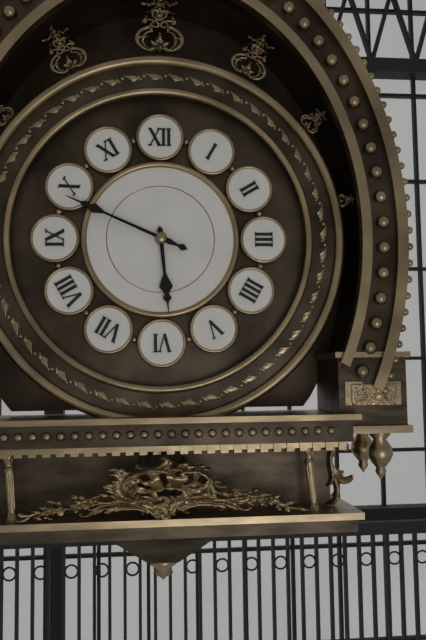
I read 5.49
